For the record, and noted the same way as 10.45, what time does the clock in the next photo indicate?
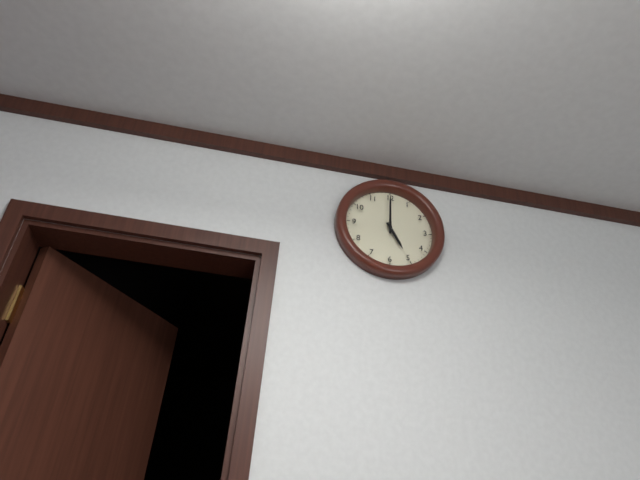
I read 5.00
